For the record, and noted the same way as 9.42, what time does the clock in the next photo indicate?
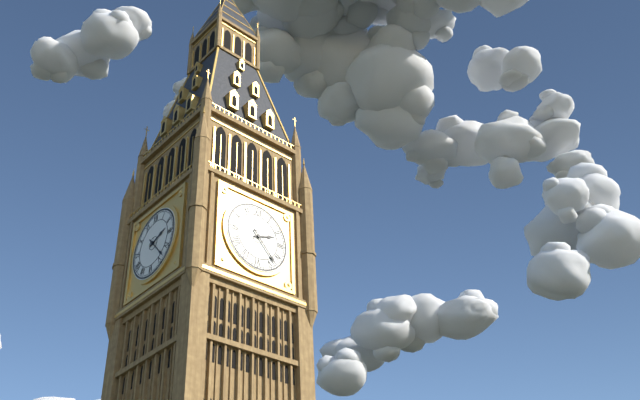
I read 2.23
